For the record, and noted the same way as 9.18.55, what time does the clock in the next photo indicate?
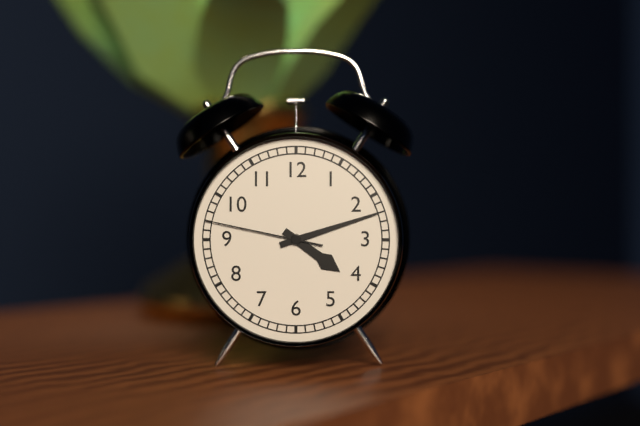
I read 4.12.47
